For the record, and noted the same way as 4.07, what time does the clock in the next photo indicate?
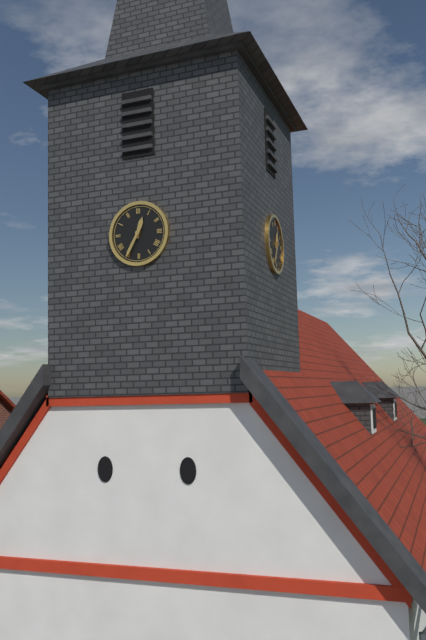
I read 12.35
